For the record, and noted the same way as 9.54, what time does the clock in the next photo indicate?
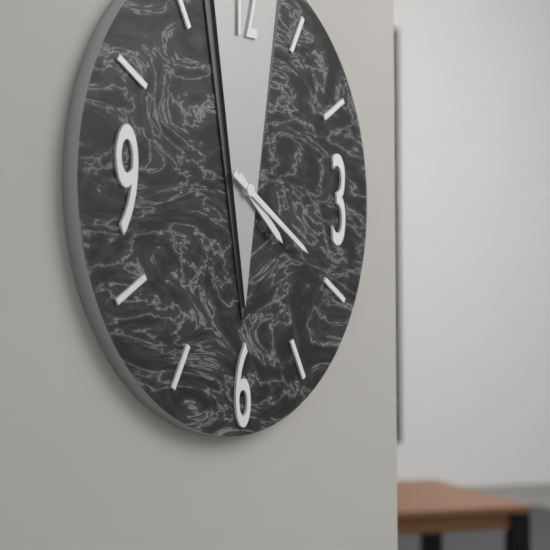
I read 4.20
